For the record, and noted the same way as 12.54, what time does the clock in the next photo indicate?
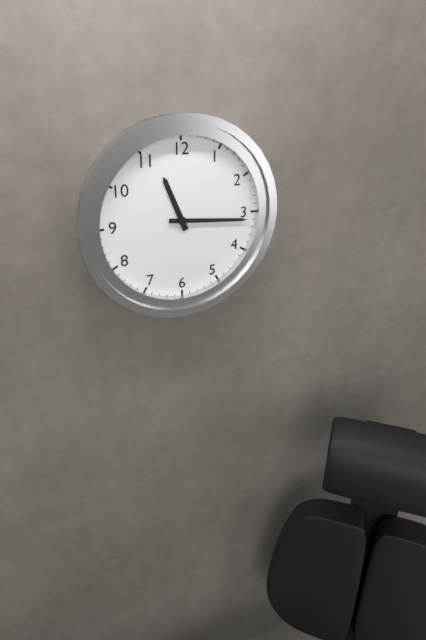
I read 11.16
